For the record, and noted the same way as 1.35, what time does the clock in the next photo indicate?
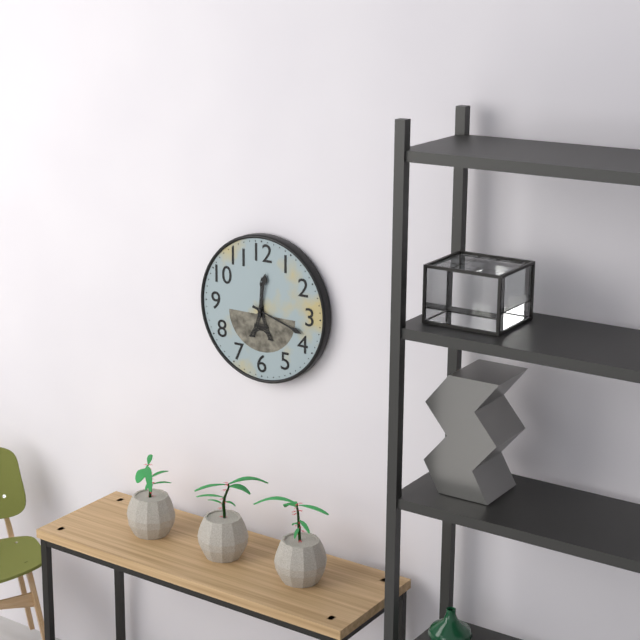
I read 12.18
